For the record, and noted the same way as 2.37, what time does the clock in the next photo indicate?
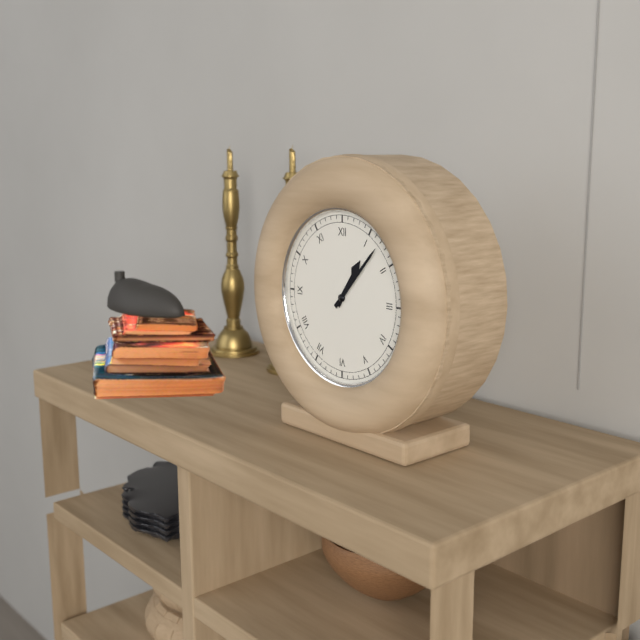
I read 1.07
